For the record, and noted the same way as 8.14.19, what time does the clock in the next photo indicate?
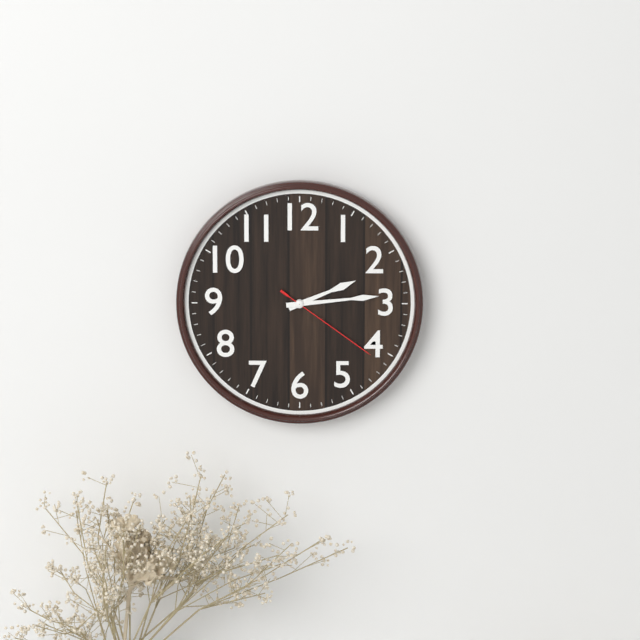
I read 2.14.21
